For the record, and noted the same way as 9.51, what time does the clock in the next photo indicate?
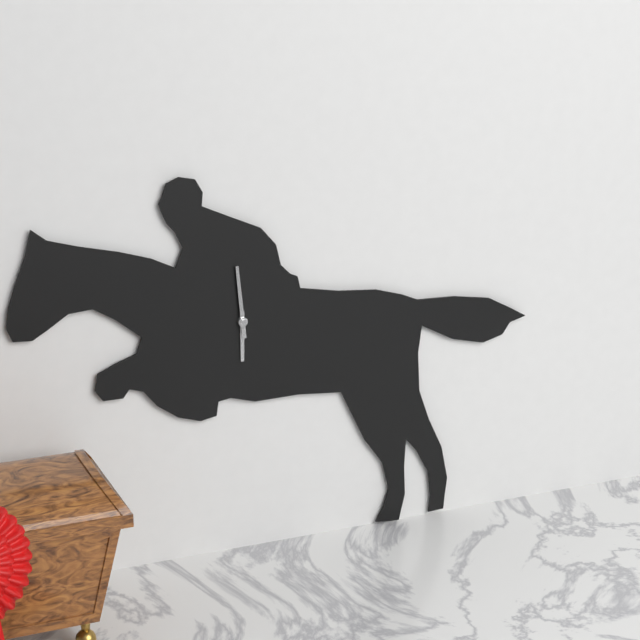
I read 5.59
